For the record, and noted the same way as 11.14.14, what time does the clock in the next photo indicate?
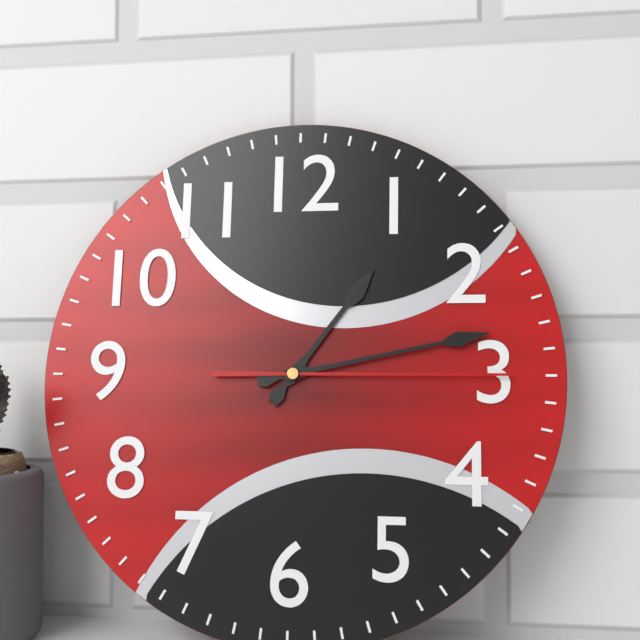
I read 1.13.15
